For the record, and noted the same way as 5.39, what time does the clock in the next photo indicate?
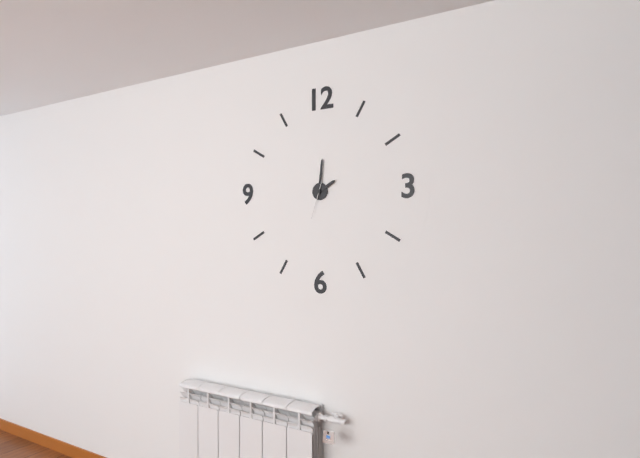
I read 2.01
